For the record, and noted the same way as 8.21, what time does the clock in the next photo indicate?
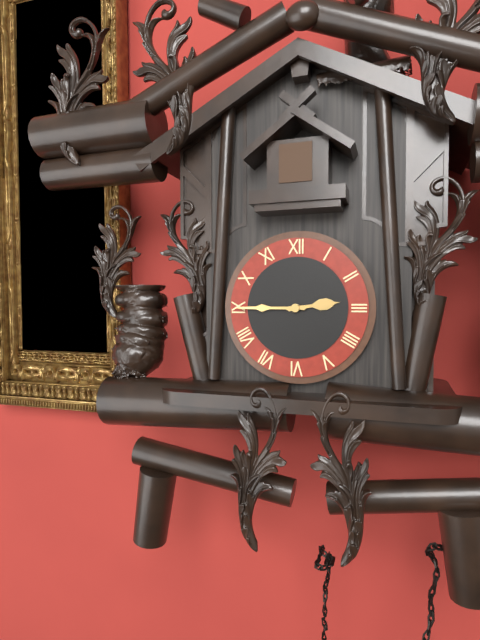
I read 2.45
